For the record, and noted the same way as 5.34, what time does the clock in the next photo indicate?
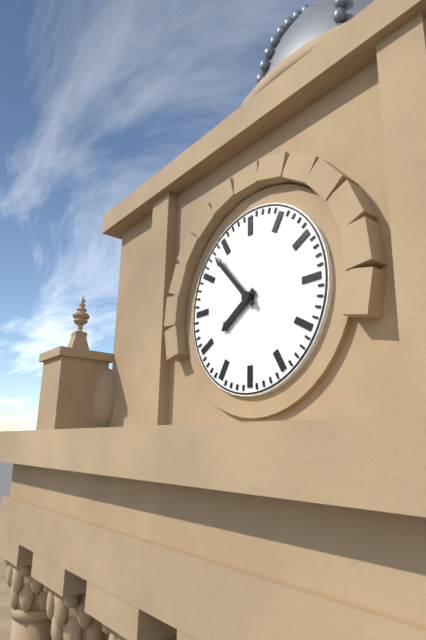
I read 7.53
